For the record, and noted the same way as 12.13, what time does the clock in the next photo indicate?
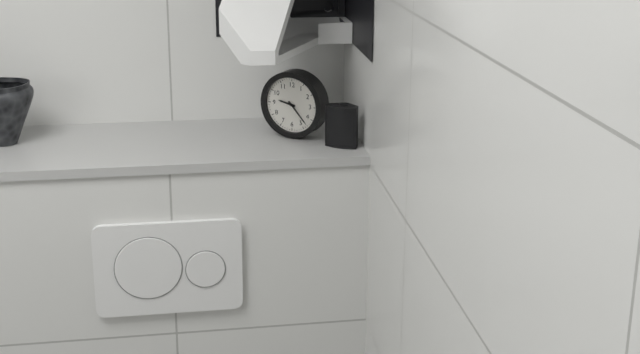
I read 9.23
